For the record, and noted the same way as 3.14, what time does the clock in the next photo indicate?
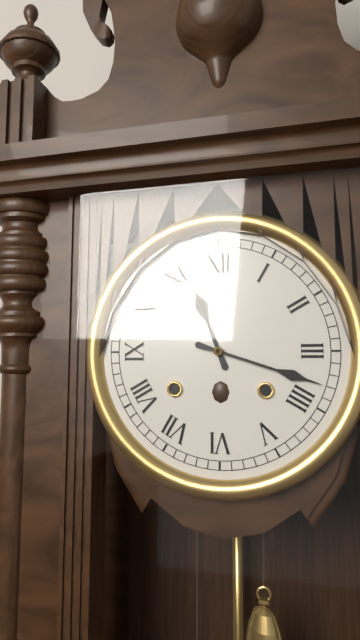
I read 11.18
